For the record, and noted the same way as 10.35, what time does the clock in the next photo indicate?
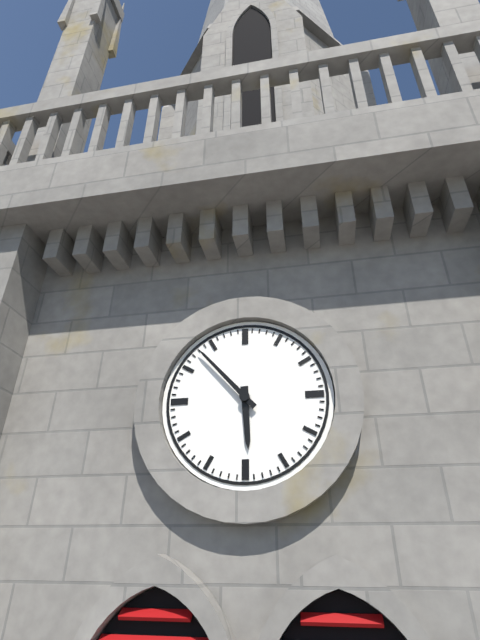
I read 5.53
